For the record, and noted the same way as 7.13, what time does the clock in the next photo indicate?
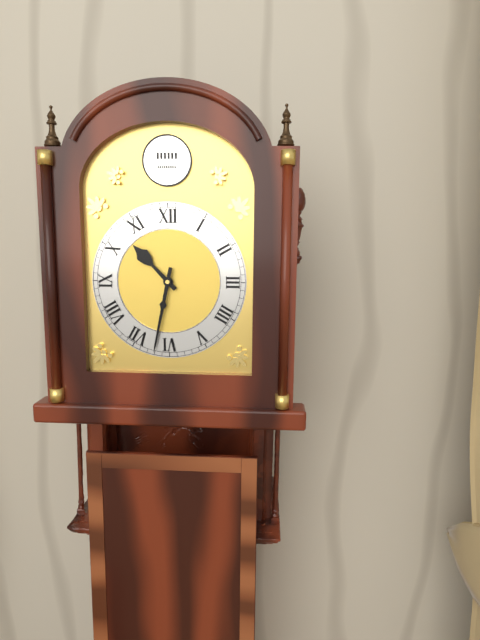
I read 10.32
